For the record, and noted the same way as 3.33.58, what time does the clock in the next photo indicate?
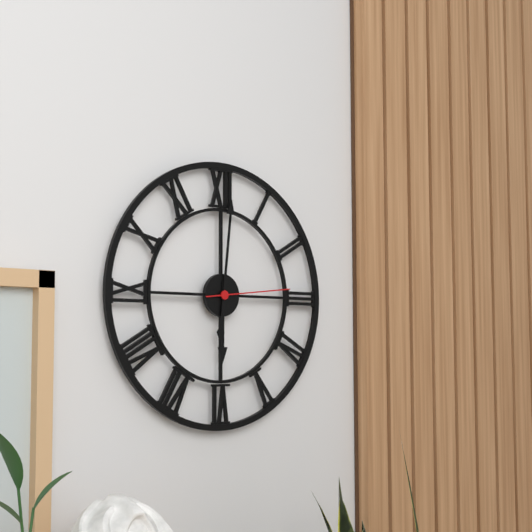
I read 6.01.14
